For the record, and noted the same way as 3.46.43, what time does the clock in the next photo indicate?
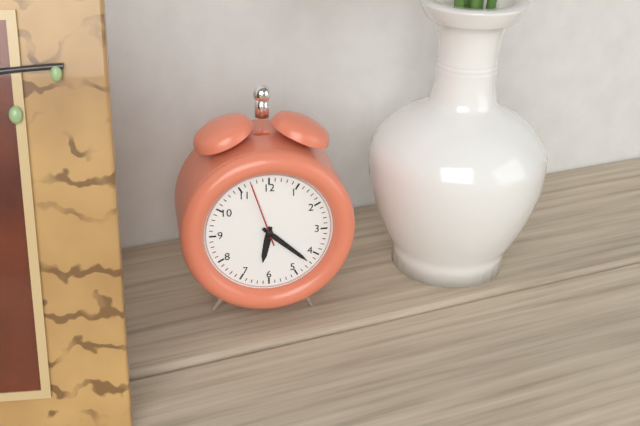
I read 6.22.57
